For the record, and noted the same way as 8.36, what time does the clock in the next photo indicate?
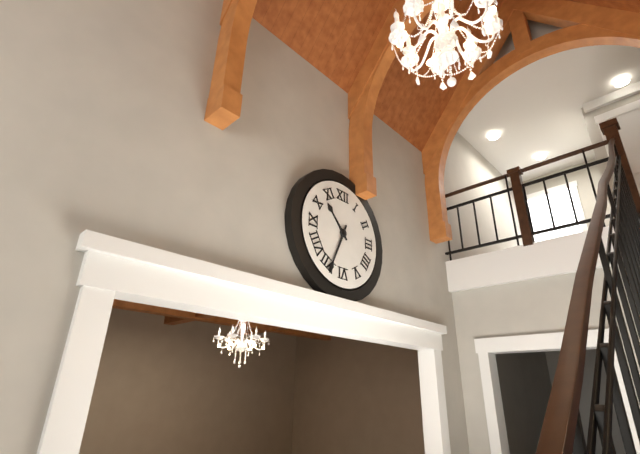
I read 10.34
